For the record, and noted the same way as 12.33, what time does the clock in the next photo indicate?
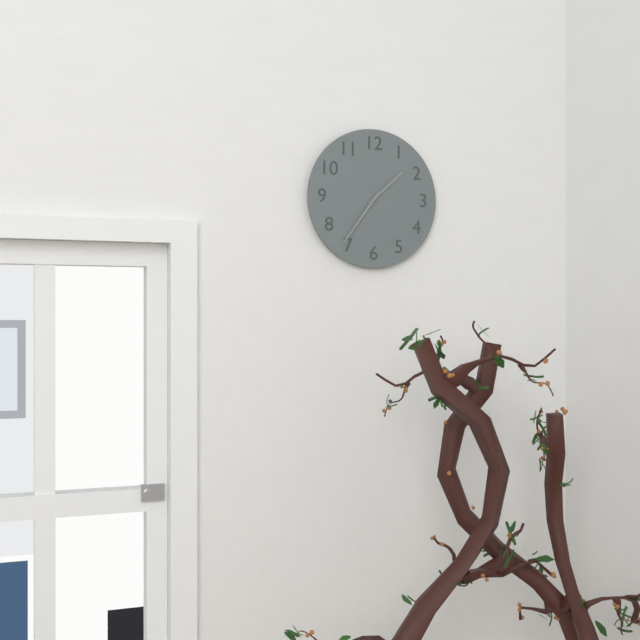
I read 1.36
